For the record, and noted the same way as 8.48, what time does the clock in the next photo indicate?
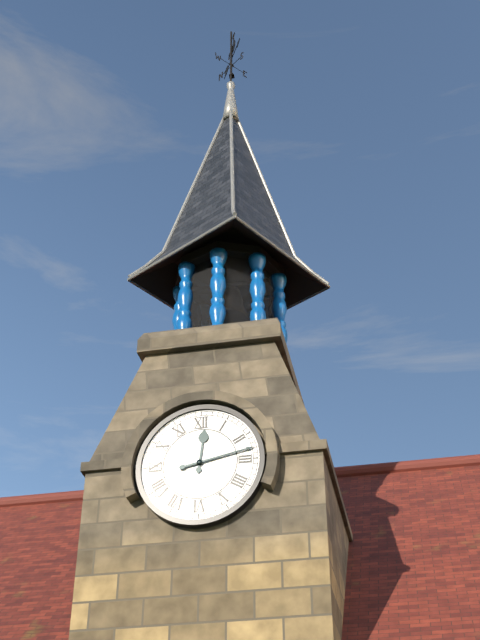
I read 12.13
